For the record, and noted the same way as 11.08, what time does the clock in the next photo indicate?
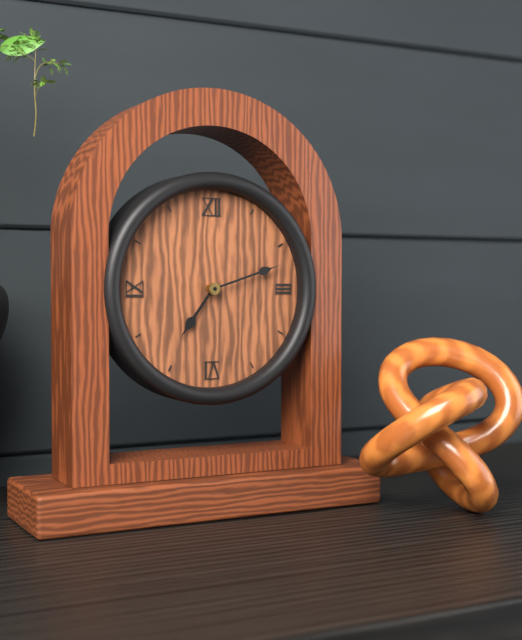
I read 7.12
